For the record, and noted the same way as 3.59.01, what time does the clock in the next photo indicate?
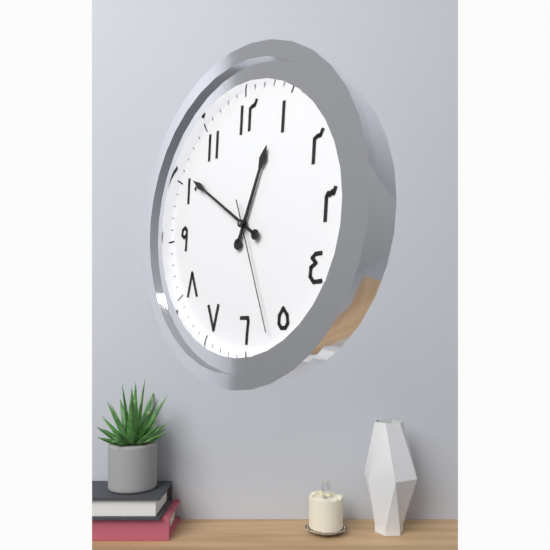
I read 12.51.27
